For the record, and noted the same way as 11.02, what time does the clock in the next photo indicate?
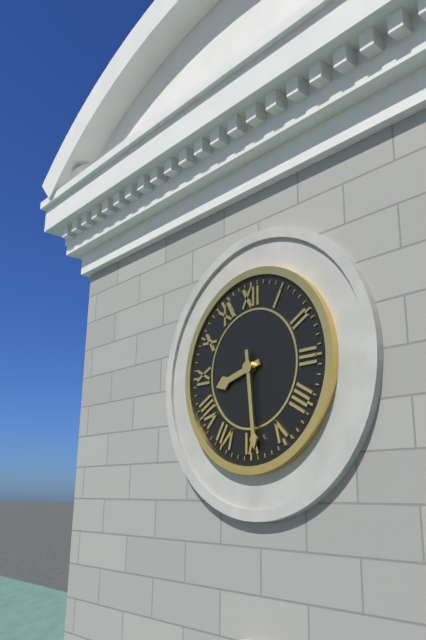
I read 8.29
